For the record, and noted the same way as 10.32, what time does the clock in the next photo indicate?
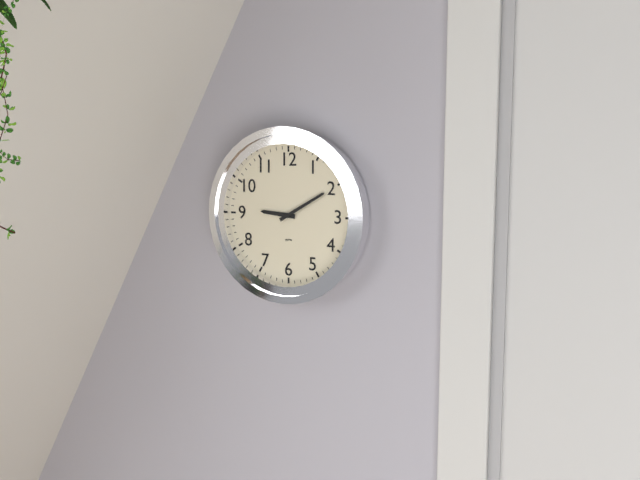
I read 9.10
